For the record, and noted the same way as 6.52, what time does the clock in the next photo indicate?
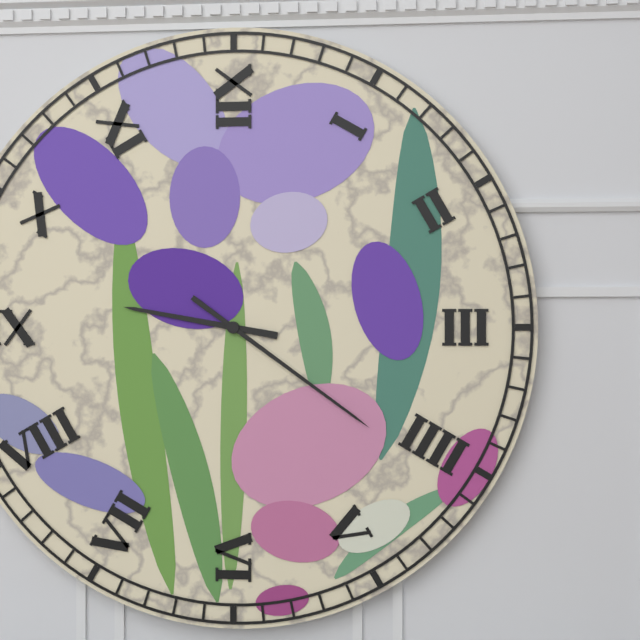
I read 9.21
